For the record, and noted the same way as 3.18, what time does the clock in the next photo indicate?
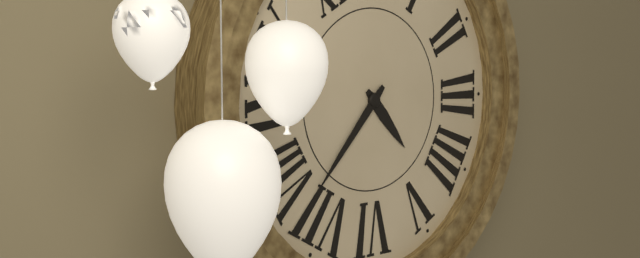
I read 4.37
